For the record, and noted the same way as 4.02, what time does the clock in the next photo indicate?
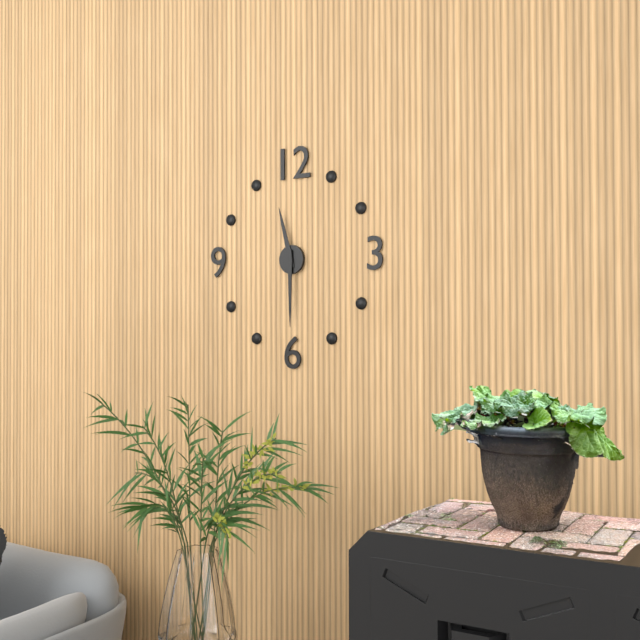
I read 11.30
